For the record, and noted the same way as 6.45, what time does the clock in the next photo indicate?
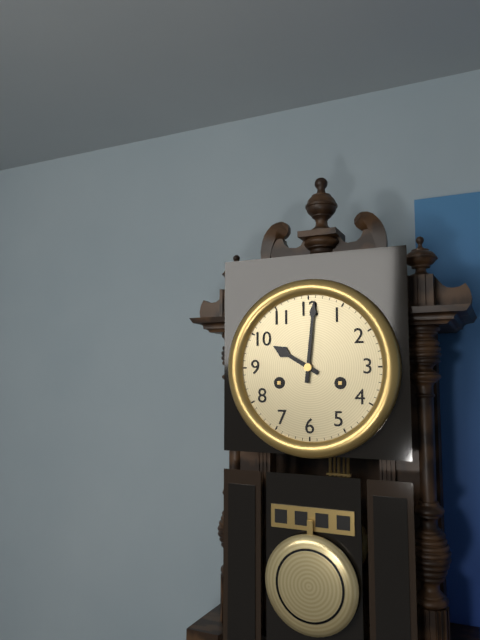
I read 10.01
